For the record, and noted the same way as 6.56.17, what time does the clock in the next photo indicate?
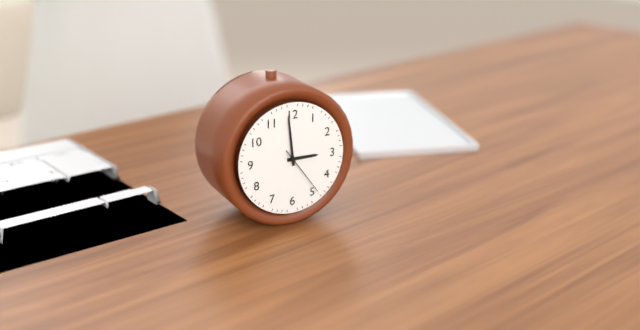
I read 2.59.24
